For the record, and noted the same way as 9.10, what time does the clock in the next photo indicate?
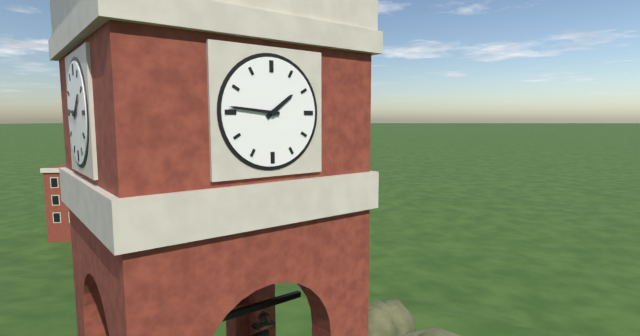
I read 1.46
